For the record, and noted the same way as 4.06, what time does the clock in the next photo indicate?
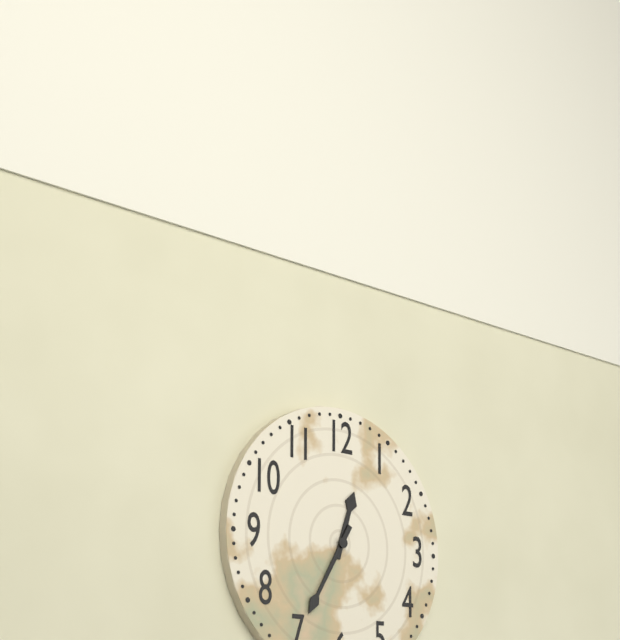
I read 12.35
